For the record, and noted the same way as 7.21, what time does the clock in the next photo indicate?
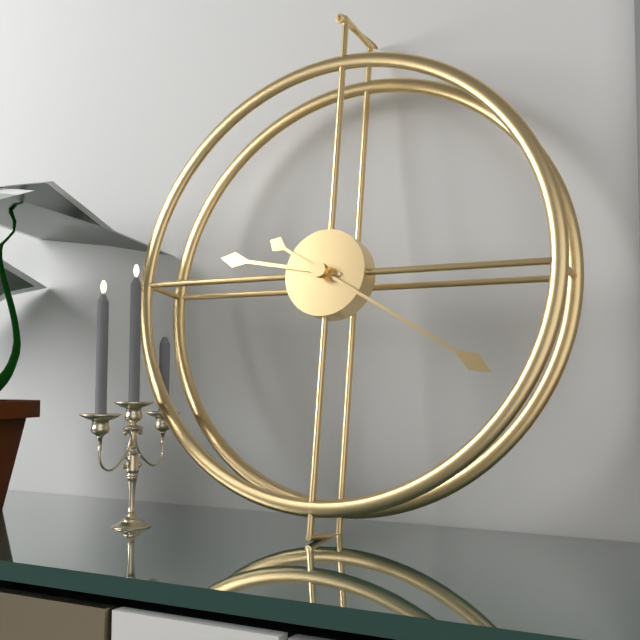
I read 9.20
